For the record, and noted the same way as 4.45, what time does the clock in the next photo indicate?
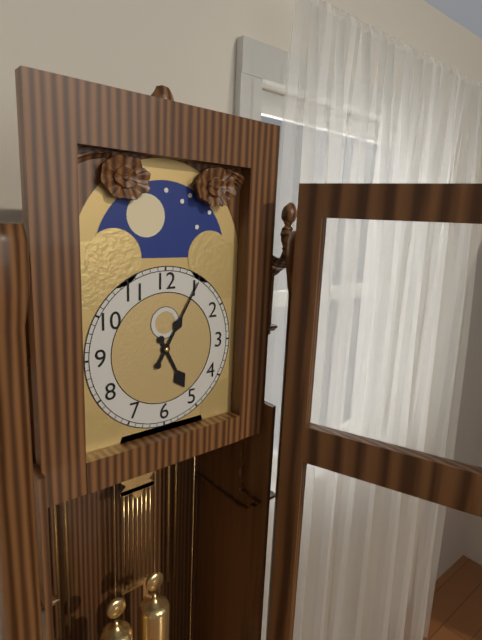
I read 5.05
